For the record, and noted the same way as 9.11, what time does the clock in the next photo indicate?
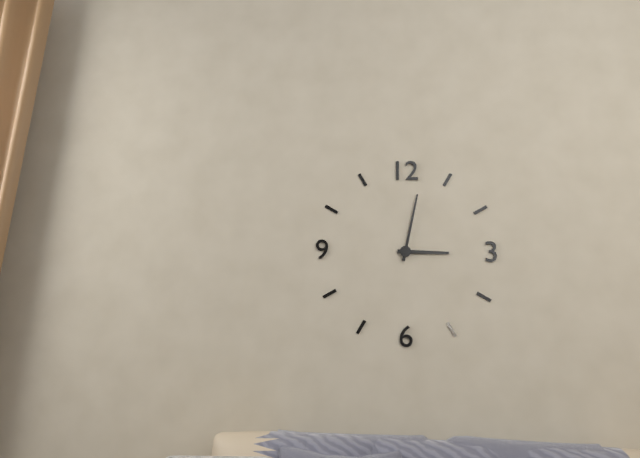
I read 3.02
